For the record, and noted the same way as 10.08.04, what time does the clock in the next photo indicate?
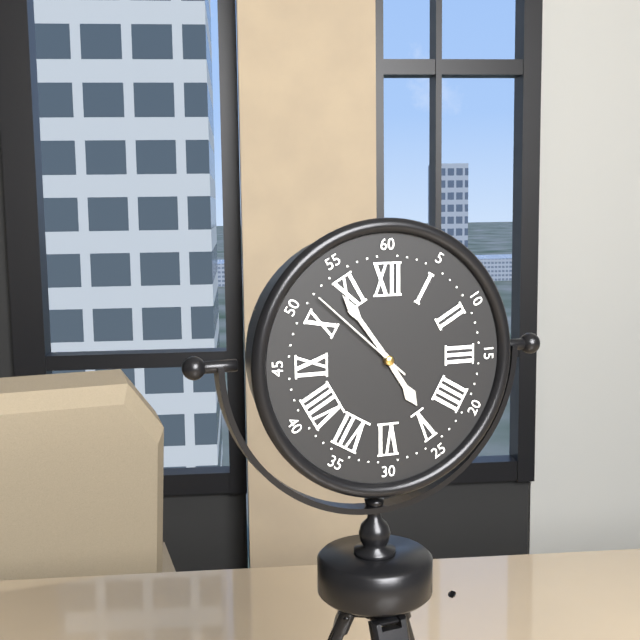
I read 4.54.52
